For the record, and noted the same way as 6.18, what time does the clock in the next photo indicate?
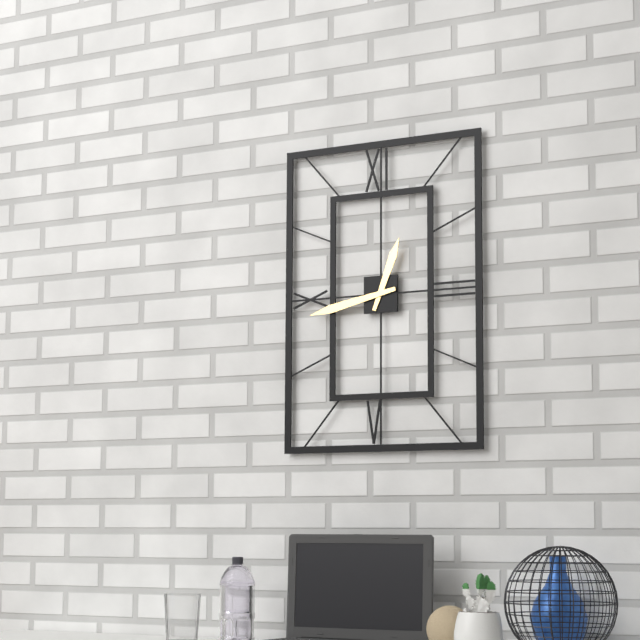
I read 12.43
